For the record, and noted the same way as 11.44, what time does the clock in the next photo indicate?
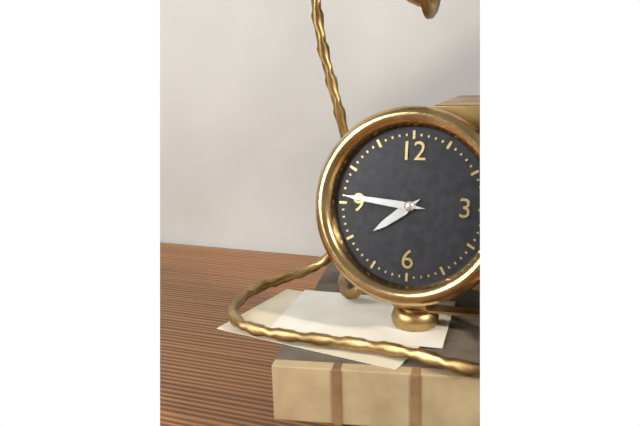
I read 7.46
